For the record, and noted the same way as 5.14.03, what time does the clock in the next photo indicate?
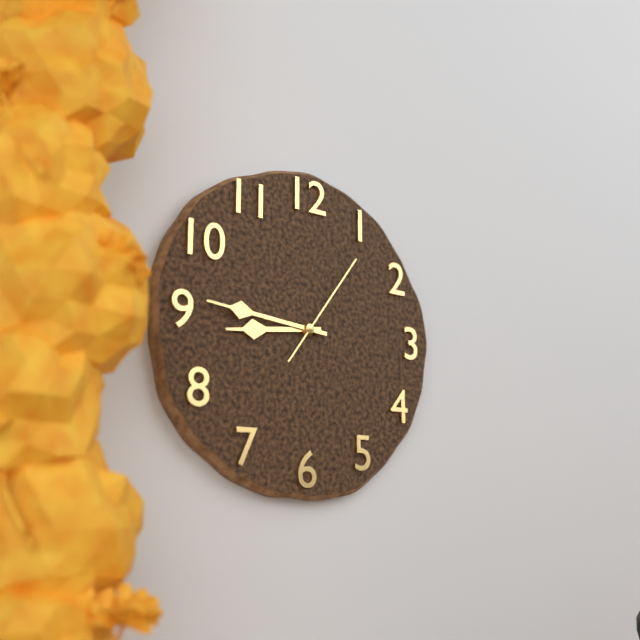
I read 8.46.06
